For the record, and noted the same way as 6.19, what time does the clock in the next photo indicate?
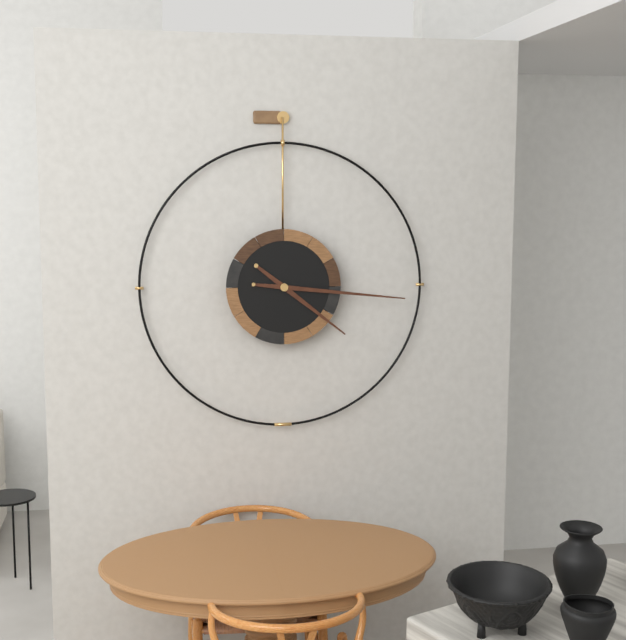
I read 4.16
